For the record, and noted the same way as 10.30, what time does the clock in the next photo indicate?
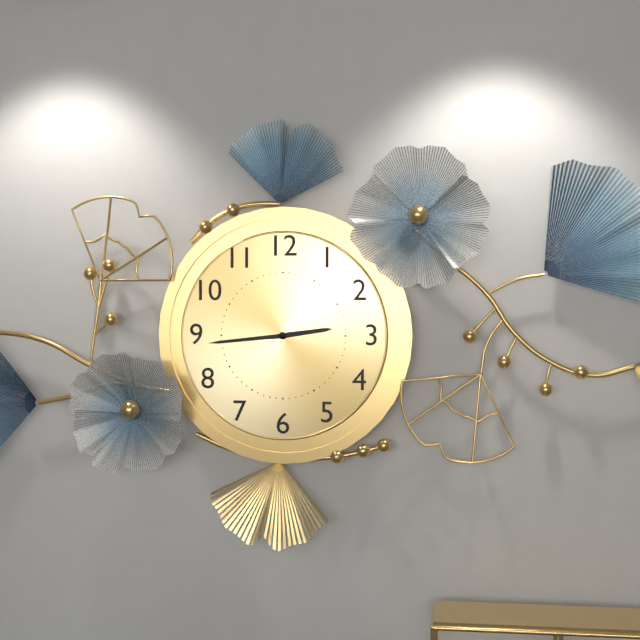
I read 2.44
